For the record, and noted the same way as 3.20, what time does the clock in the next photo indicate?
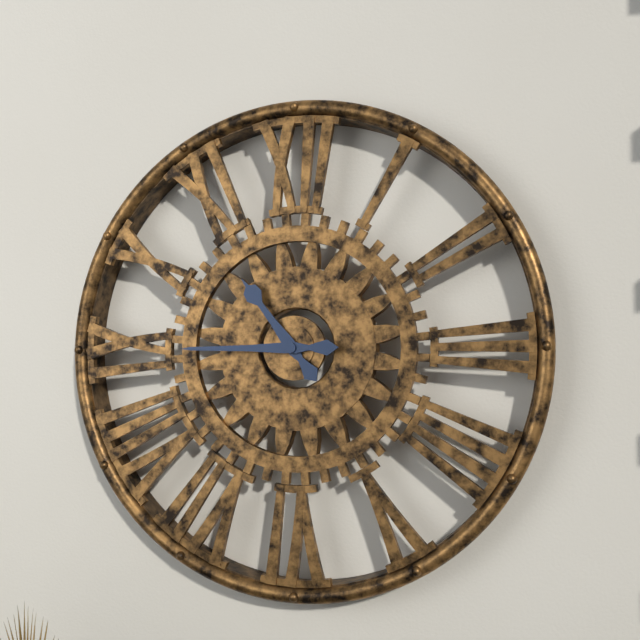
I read 10.45
